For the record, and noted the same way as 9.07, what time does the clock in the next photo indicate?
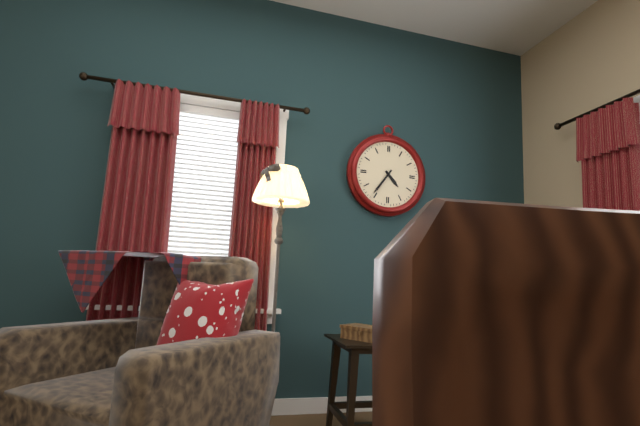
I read 4.36
